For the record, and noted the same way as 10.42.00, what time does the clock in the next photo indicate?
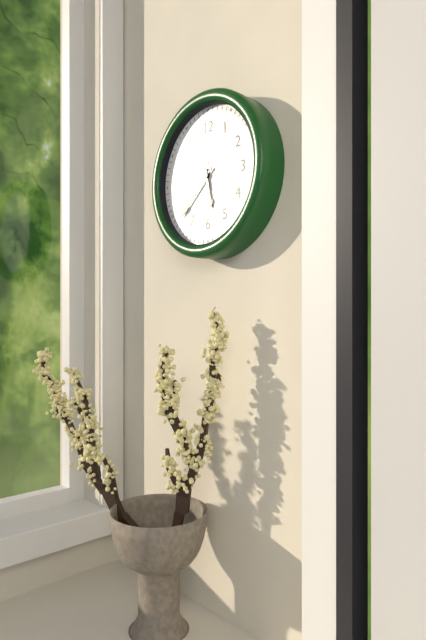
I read 5.38.58
